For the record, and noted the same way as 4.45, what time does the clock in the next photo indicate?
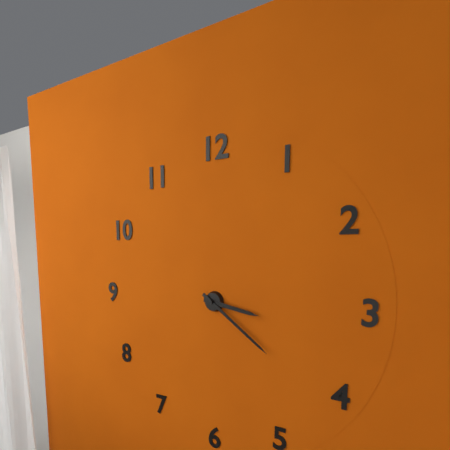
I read 3.21
